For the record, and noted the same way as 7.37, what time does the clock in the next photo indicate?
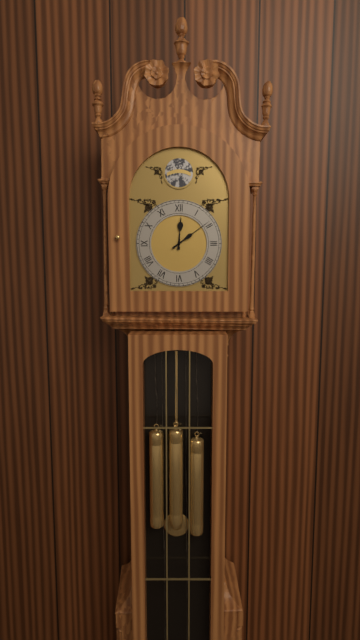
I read 12.09
